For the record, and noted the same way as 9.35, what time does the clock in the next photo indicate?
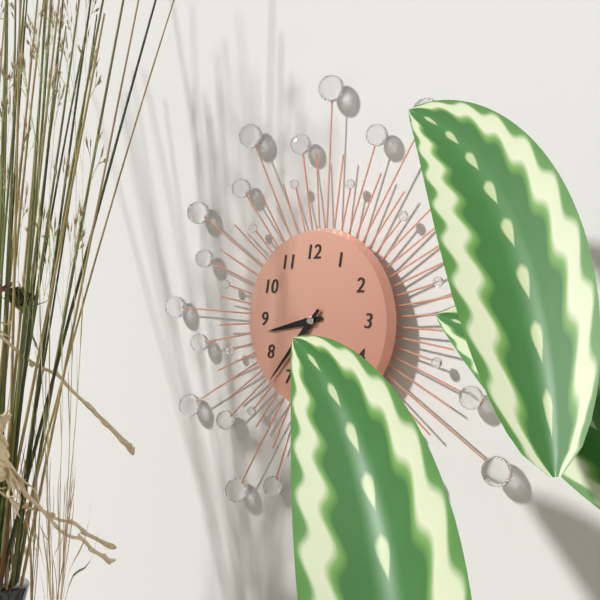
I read 8.37
